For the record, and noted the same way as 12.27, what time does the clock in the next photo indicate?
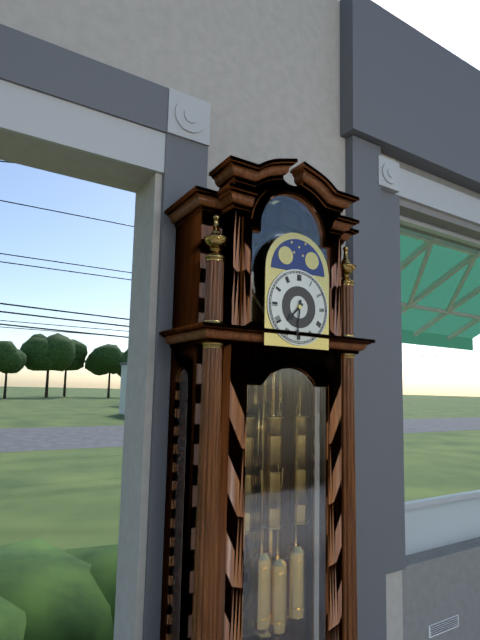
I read 7.31
